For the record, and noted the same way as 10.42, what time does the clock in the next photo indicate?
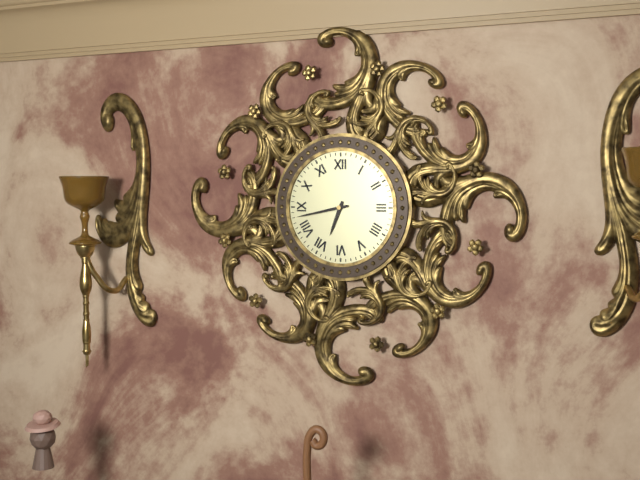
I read 6.43
